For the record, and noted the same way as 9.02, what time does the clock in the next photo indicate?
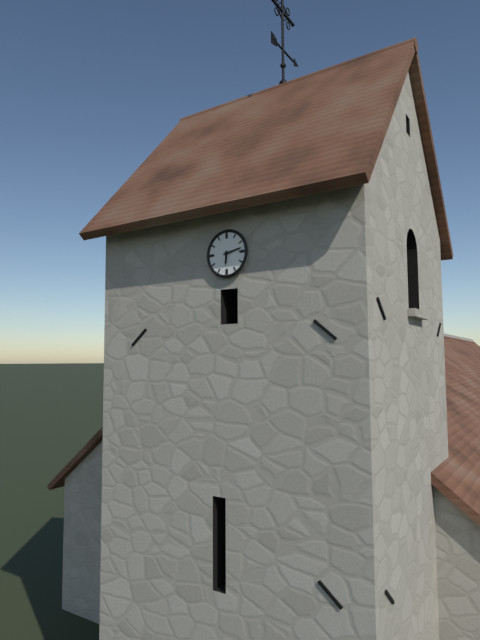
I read 6.13
